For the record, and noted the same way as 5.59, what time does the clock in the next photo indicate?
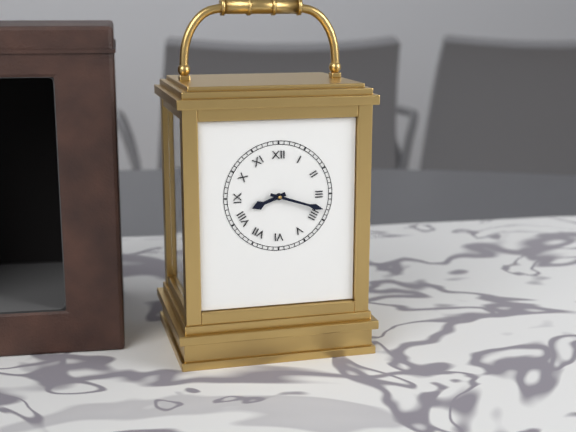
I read 8.18
